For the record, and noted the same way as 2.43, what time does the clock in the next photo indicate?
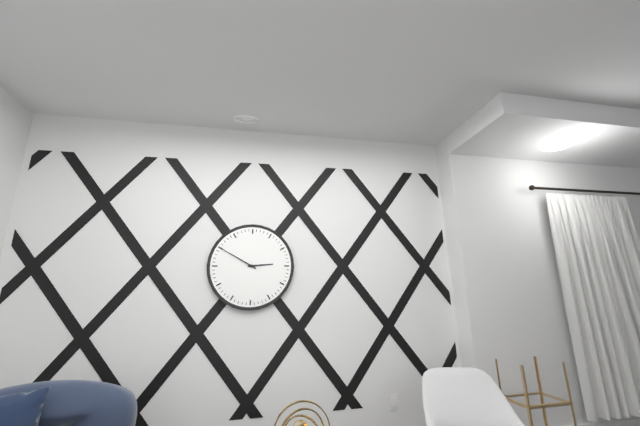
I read 2.50
